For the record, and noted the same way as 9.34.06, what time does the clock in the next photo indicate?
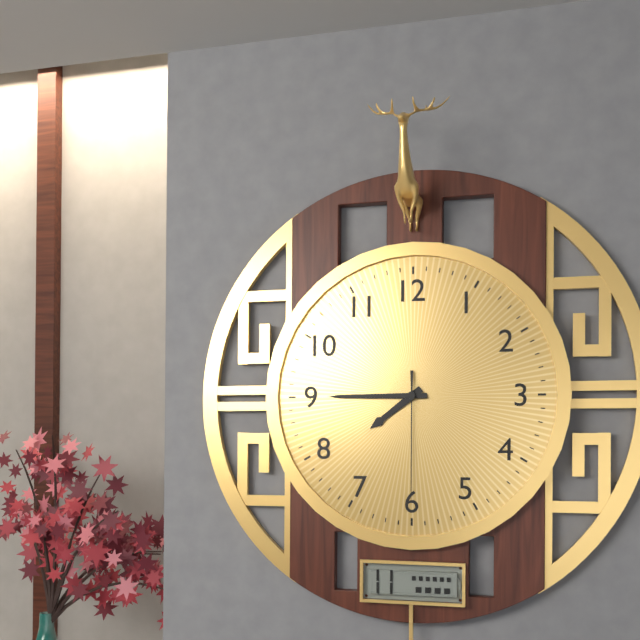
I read 7.45.30
